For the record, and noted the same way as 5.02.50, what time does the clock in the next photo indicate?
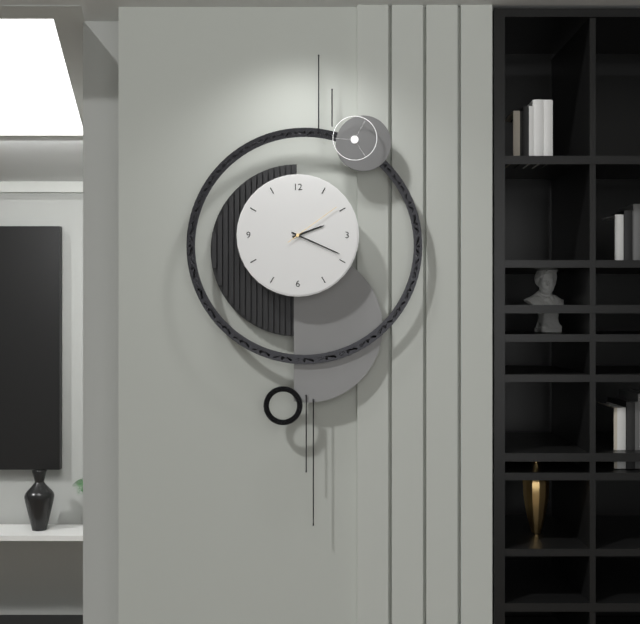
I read 2.19.09
